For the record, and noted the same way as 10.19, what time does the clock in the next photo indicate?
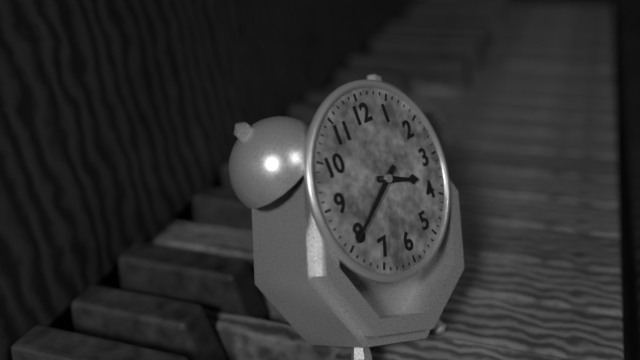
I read 3.40
